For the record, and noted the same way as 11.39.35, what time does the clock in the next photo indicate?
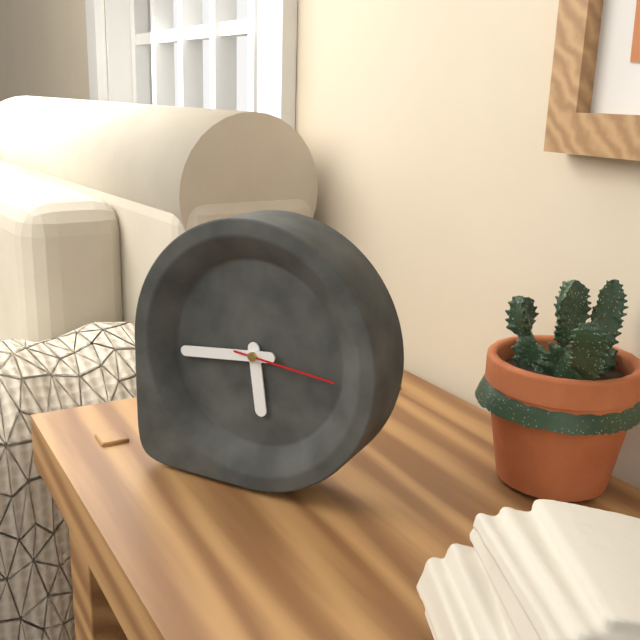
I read 5.44.16
